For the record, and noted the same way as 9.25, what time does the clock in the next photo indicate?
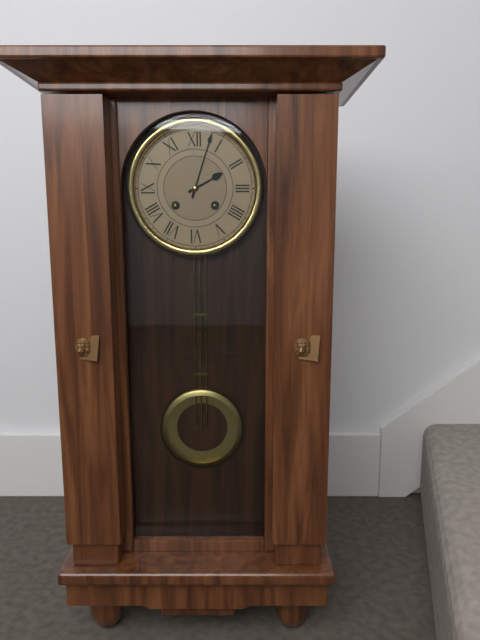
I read 2.03
